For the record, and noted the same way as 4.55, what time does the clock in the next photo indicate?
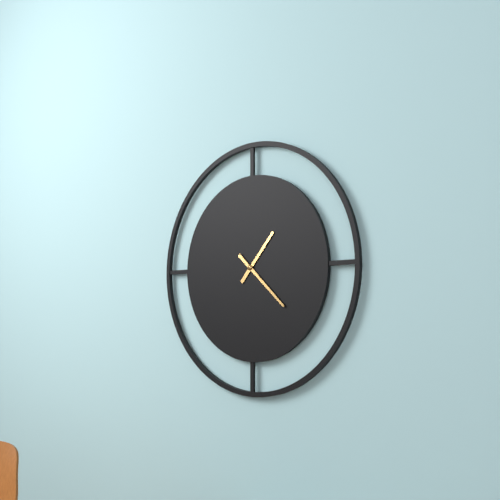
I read 1.22
